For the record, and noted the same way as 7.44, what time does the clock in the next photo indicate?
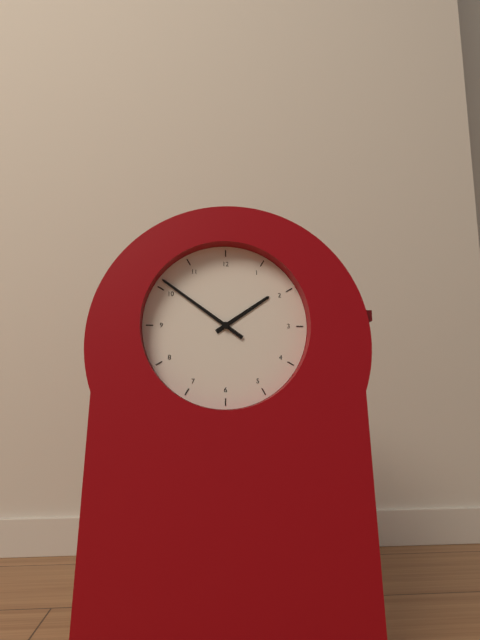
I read 1.51
